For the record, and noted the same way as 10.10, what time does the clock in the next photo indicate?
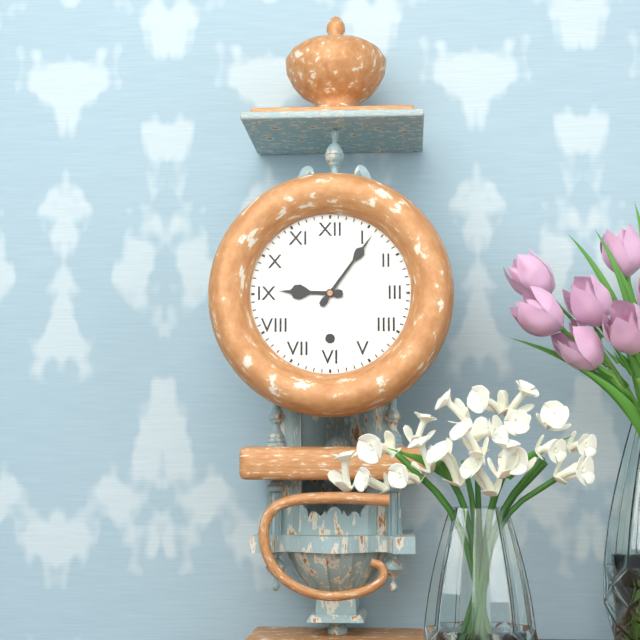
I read 9.06
